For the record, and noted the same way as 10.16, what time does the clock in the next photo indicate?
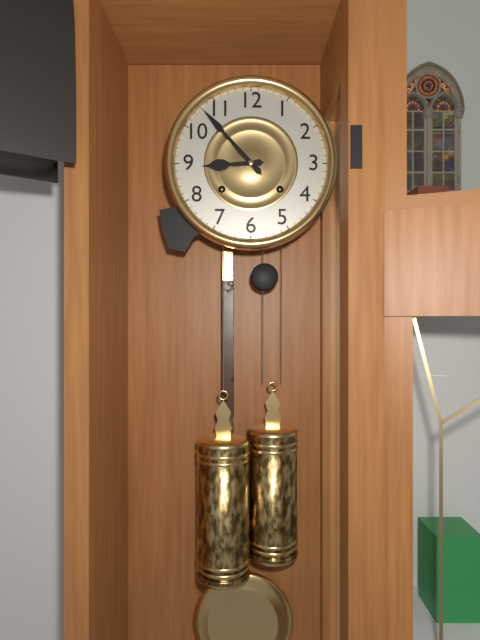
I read 8.53
